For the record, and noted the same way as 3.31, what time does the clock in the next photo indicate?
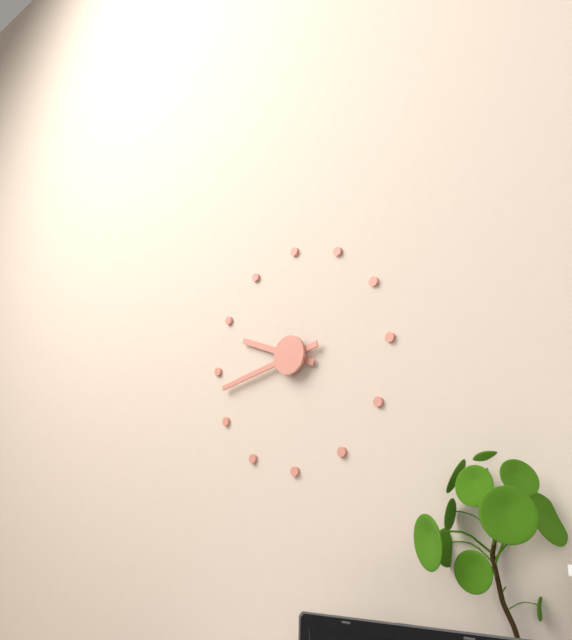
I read 9.43
